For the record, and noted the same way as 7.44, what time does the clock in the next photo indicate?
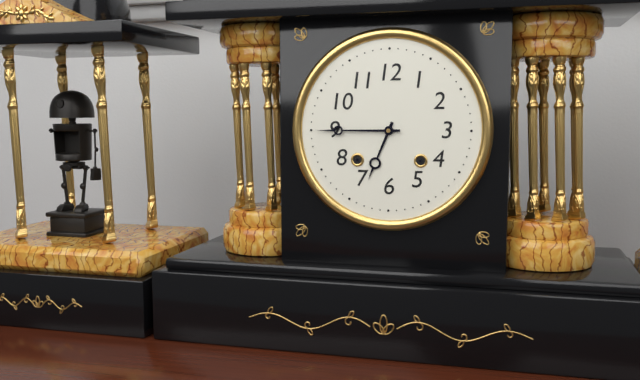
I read 6.45
